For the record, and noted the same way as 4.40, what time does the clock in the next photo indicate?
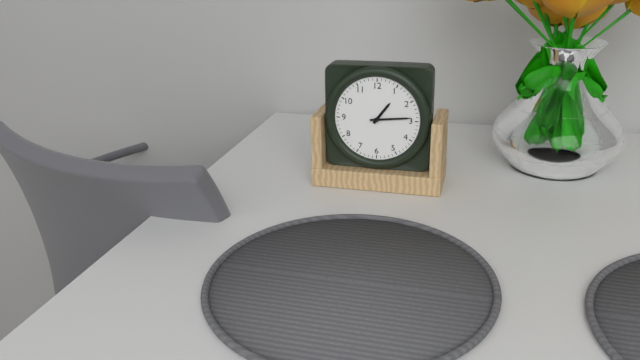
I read 1.14
